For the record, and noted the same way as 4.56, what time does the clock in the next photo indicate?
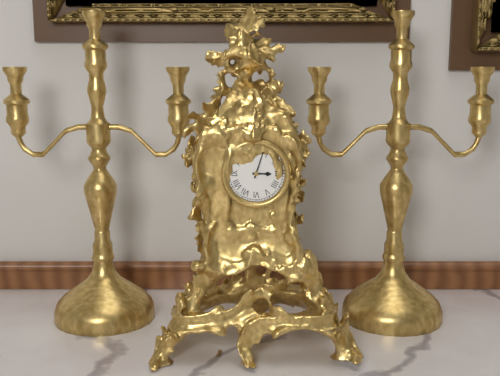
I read 3.03
